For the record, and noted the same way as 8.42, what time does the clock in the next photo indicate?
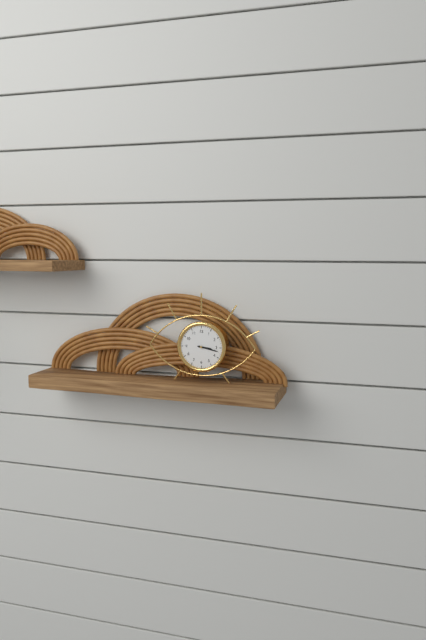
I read 3.17
